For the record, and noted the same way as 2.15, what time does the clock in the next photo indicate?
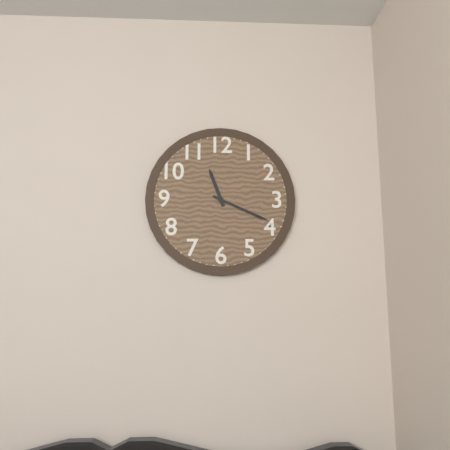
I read 11.19
